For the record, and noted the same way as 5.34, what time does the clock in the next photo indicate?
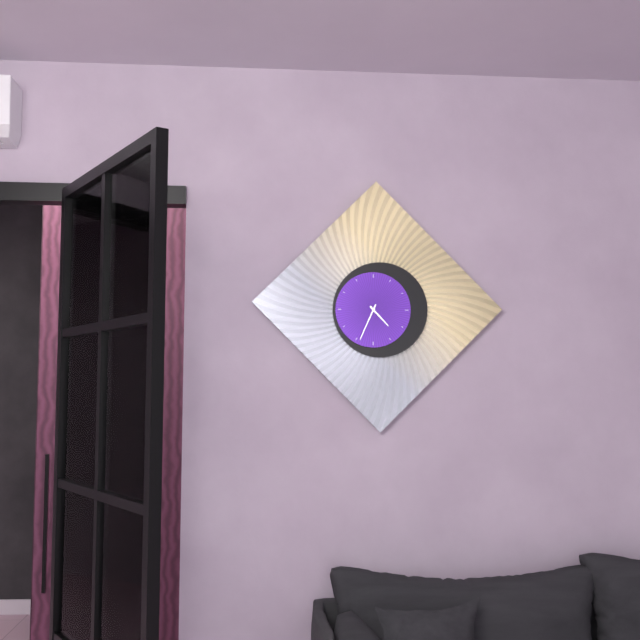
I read 4.34
